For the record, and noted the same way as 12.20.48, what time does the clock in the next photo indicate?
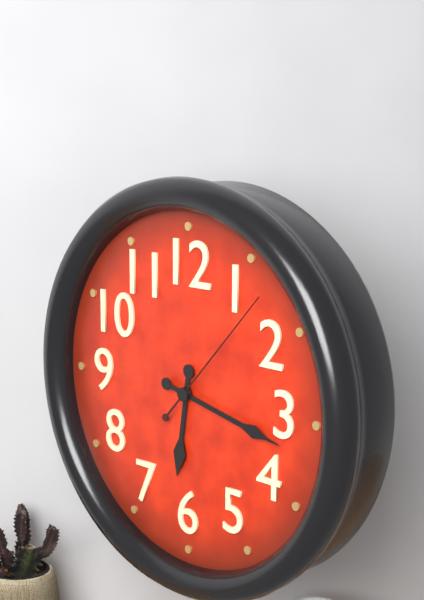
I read 6.17.07
